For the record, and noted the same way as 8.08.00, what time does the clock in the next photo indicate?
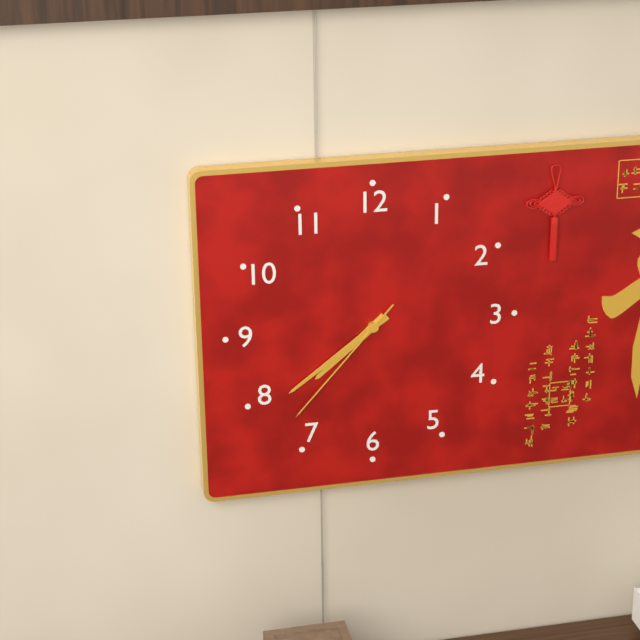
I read 7.39.37
